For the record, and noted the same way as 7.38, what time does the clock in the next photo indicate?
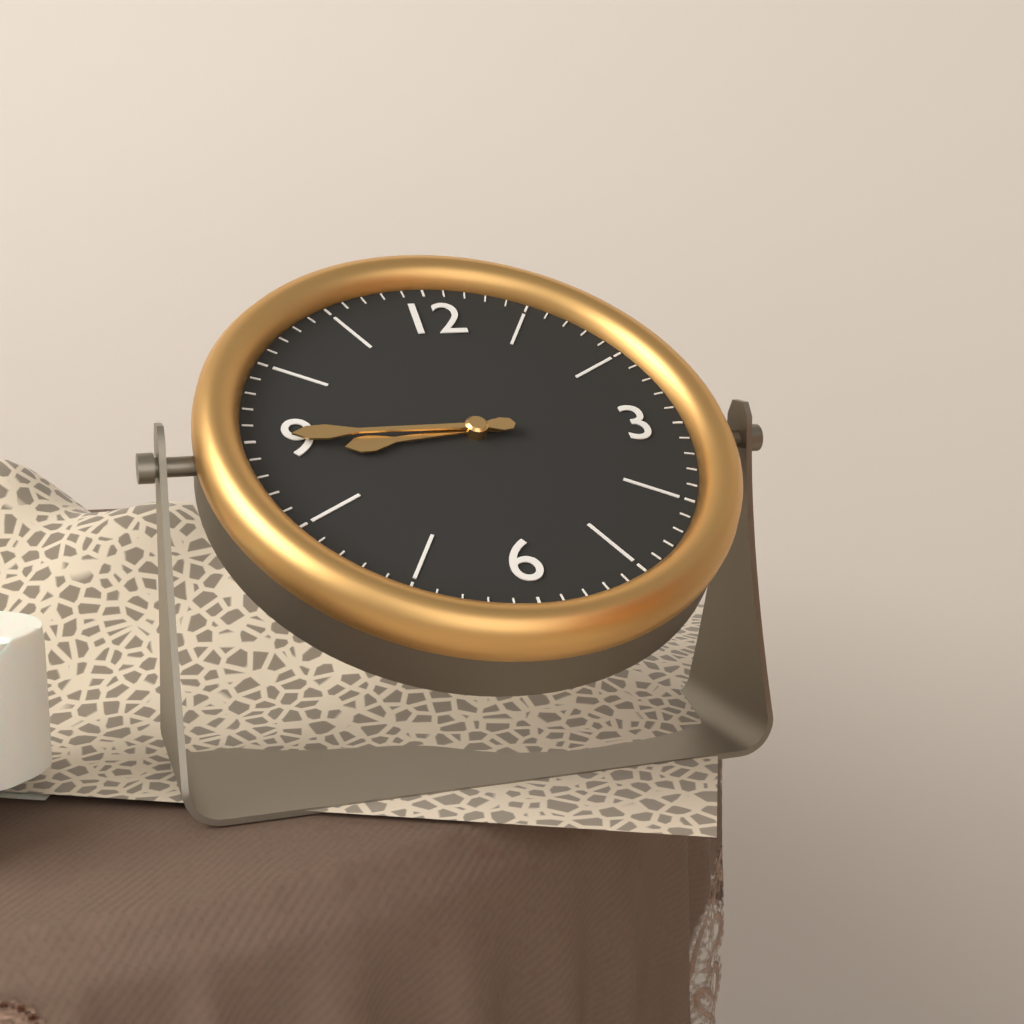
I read 8.45
